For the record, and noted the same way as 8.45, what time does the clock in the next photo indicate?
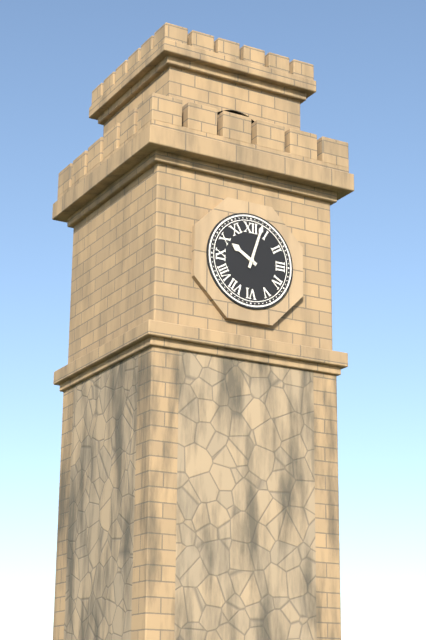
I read 10.03
